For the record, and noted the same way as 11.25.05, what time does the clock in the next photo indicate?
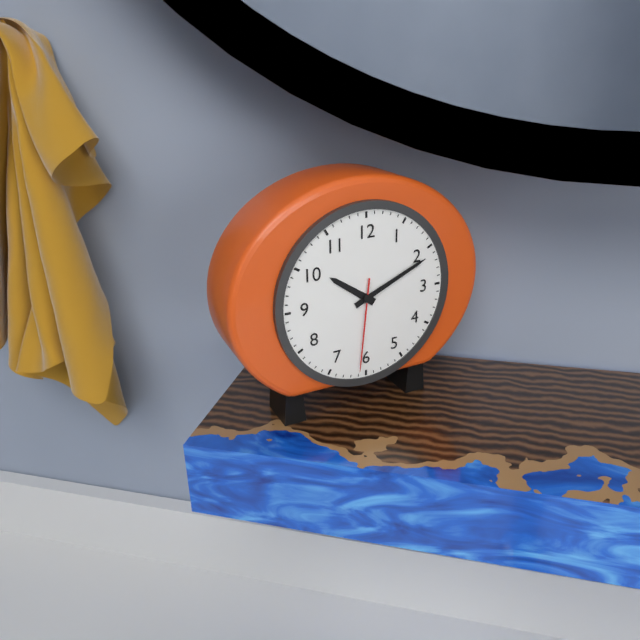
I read 10.11.31
